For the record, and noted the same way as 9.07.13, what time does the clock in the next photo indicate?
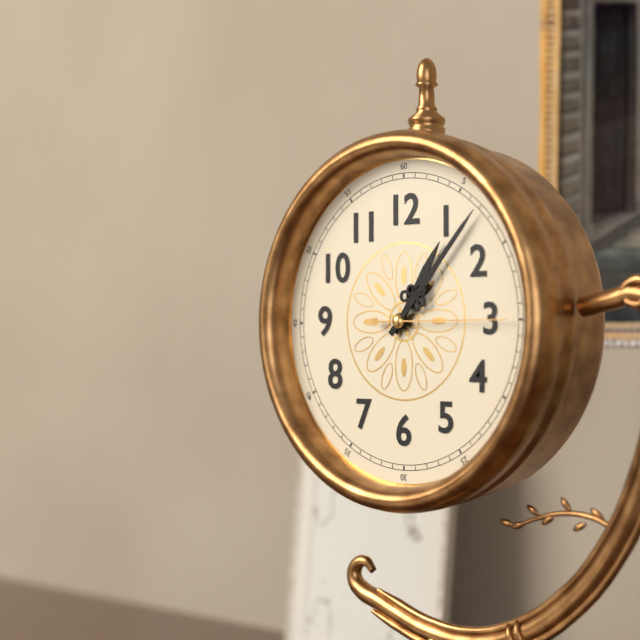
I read 1.07.15
